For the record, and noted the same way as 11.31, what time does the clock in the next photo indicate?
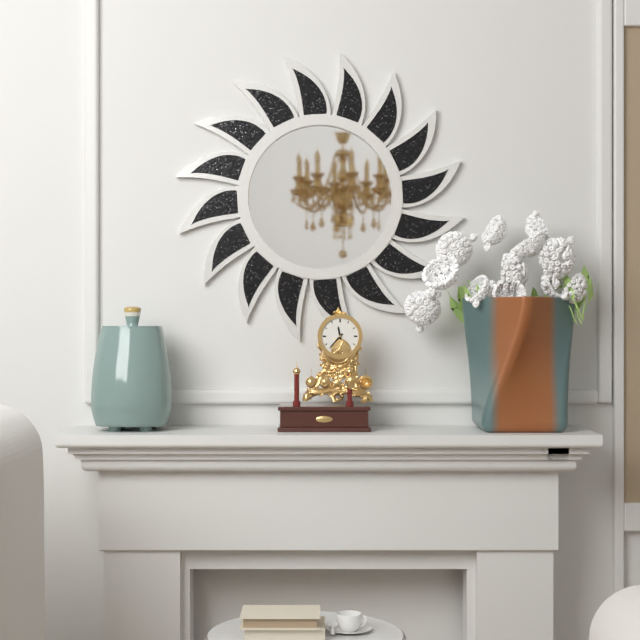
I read 11.37
